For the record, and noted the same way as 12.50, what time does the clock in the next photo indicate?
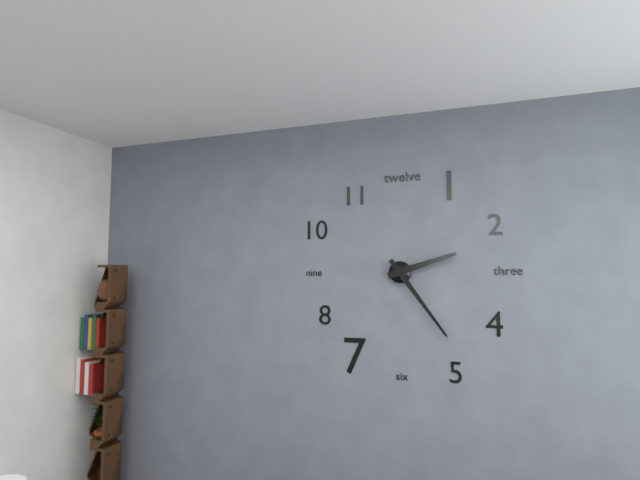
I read 2.24
